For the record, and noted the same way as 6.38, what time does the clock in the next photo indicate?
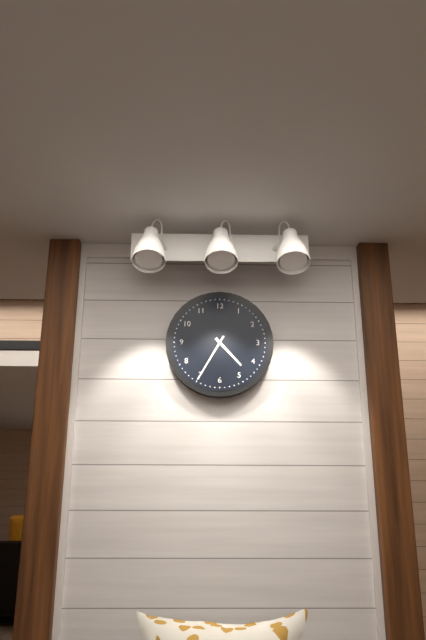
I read 4.35
